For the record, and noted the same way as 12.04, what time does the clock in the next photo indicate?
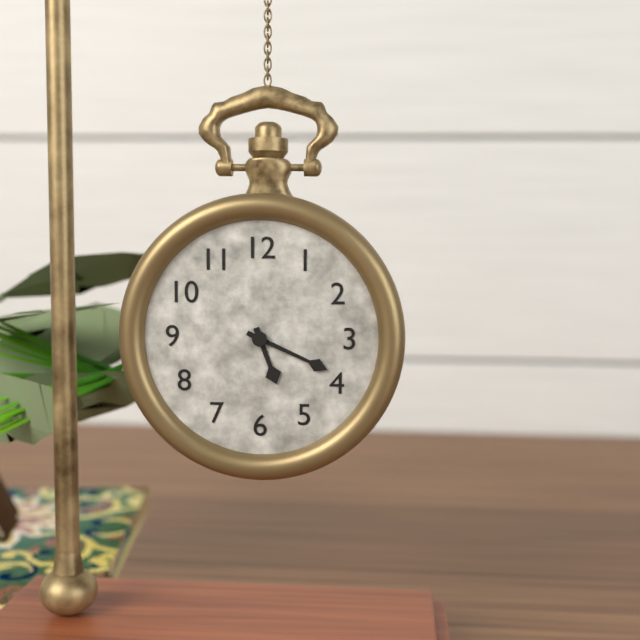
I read 5.19
